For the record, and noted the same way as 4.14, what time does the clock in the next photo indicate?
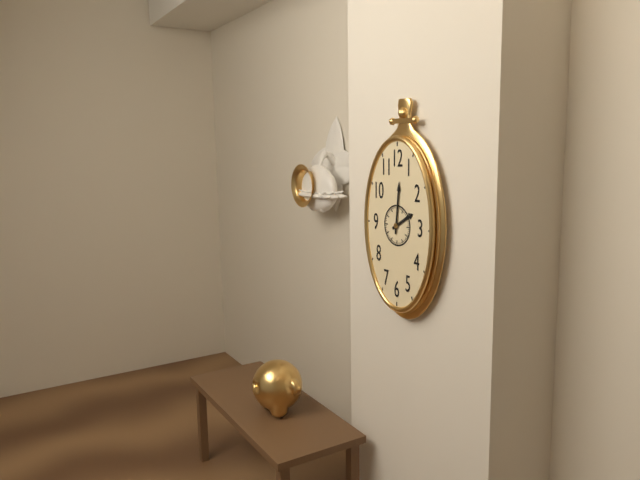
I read 2.01
